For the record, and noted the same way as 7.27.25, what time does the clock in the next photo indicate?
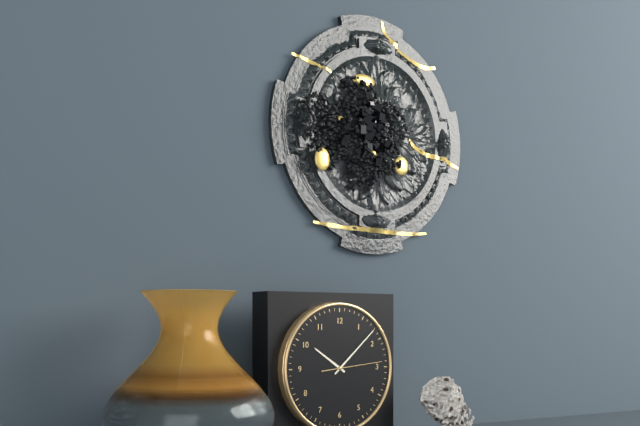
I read 10.08.14
